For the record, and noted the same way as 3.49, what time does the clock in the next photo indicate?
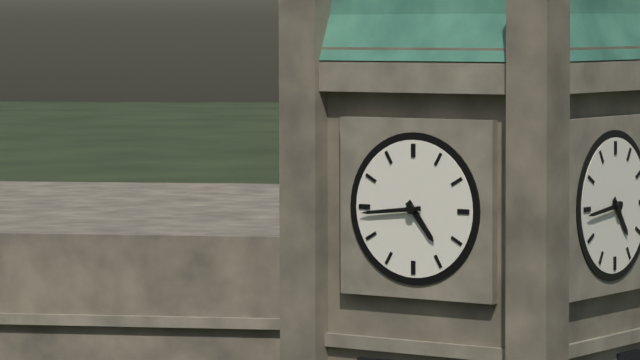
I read 4.44
